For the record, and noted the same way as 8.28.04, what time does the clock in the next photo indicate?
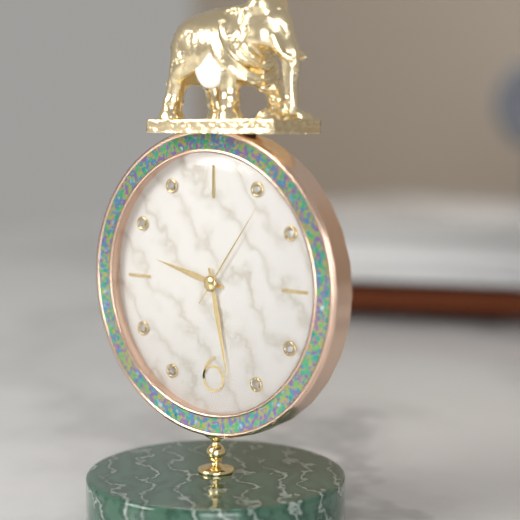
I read 9.28.06
